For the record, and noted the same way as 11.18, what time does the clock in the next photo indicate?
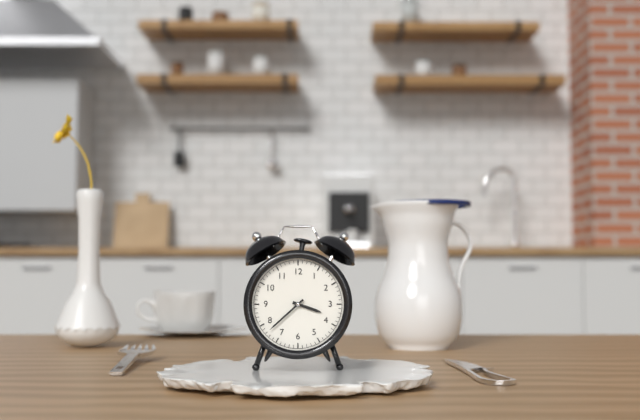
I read 3.38
